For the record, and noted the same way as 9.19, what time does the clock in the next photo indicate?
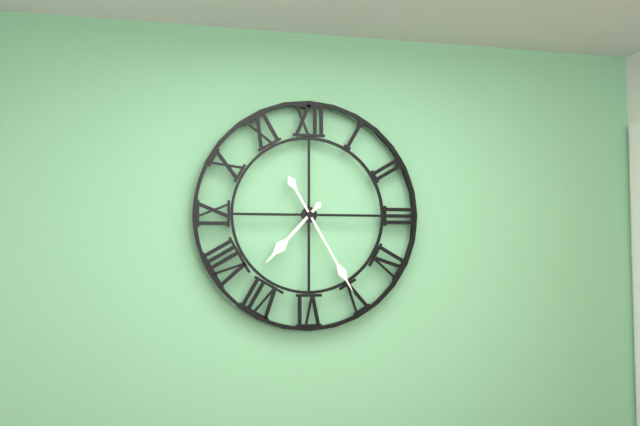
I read 7.25
